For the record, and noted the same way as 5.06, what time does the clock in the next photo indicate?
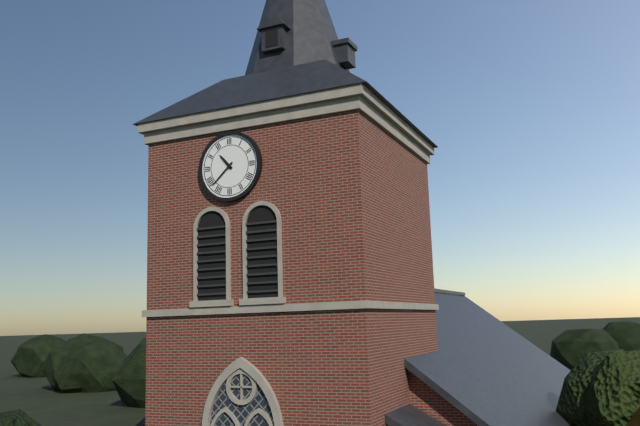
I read 10.38
